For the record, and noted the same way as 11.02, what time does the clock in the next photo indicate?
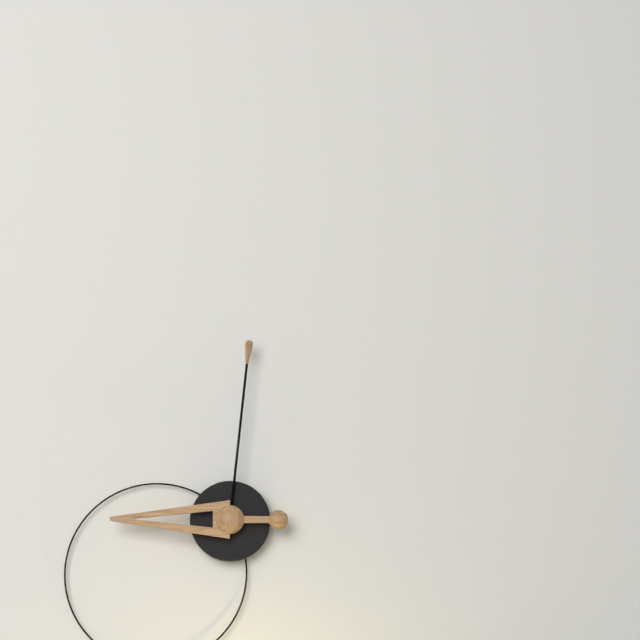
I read 9.01
